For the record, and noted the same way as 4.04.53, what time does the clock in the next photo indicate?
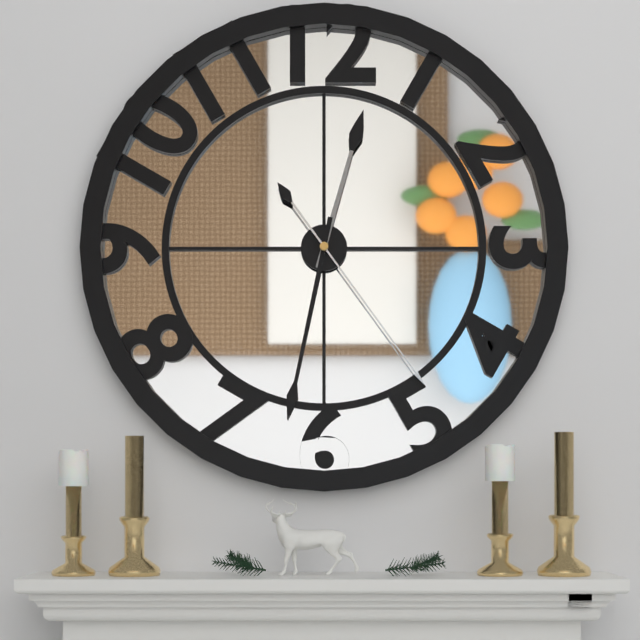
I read 12.32.24
